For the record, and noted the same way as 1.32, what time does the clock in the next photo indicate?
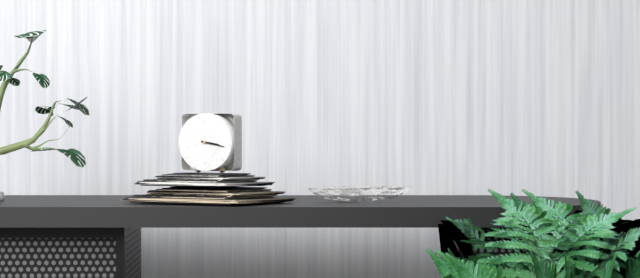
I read 3.17
